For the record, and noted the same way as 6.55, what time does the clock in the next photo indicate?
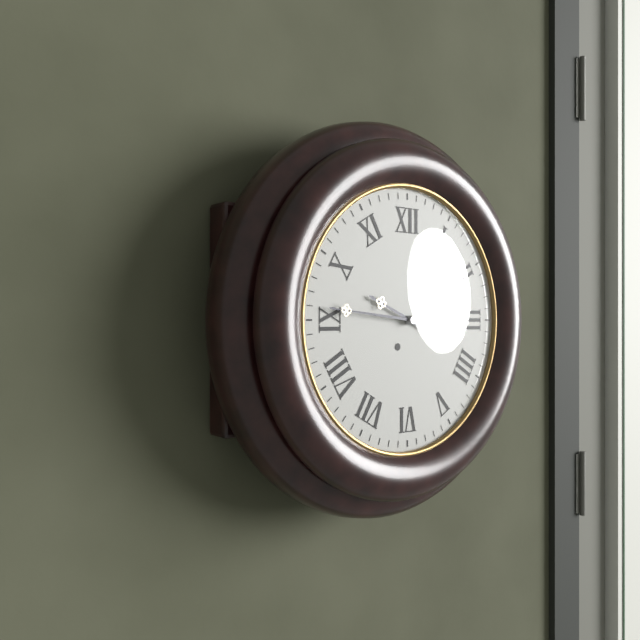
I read 9.46
